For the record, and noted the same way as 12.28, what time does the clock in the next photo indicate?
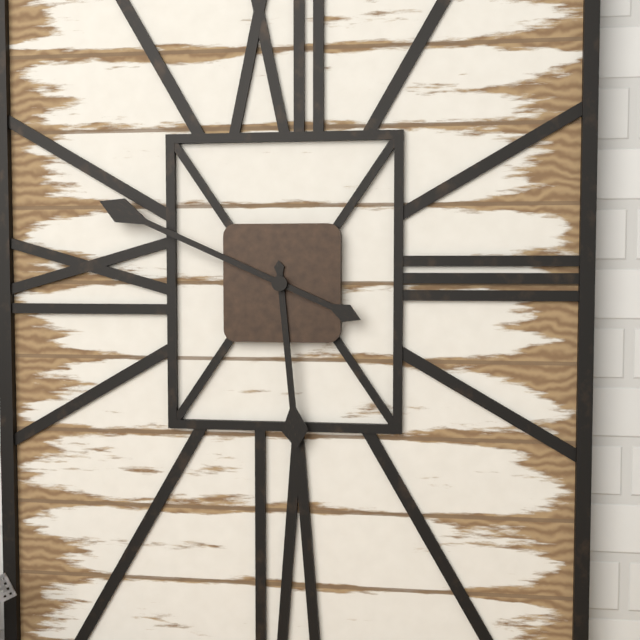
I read 5.49
